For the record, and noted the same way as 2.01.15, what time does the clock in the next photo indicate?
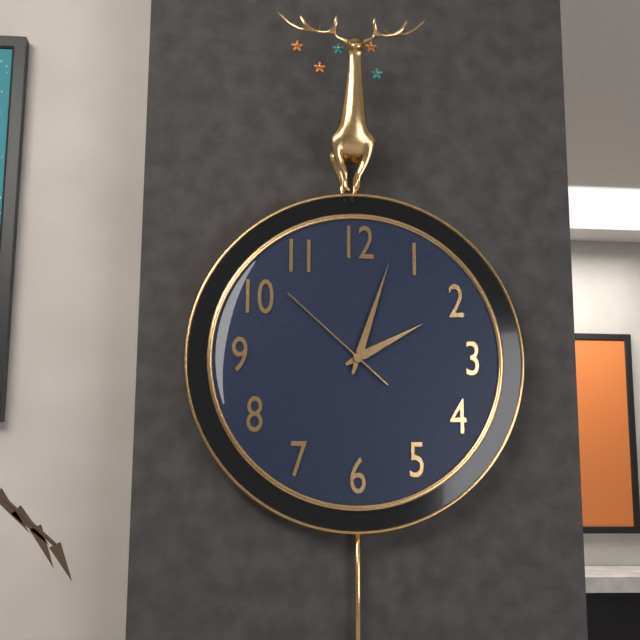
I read 2.03.52
